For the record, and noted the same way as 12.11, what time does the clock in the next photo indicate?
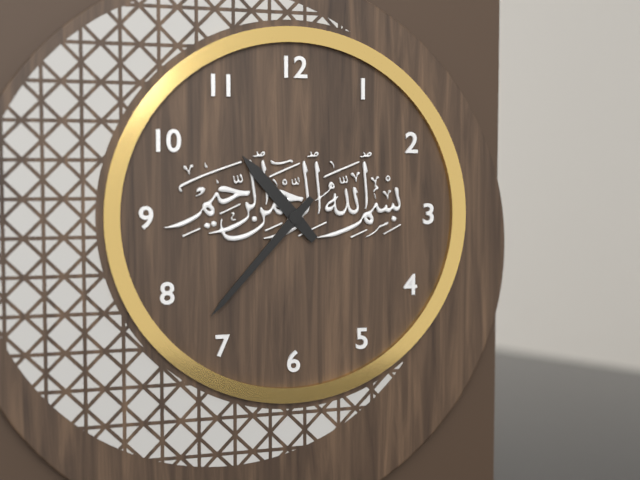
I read 10.37
